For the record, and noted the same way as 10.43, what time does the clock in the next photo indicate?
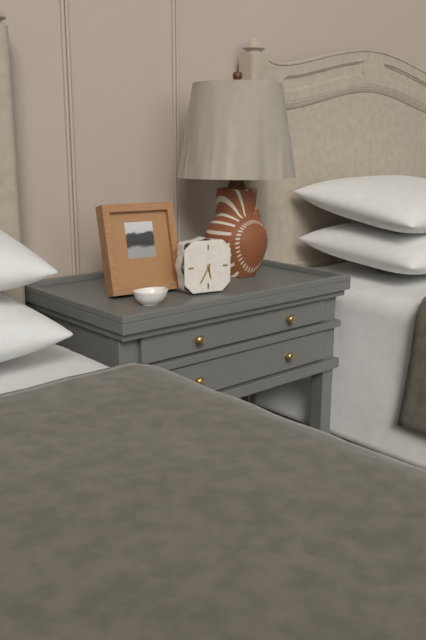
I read 5.35
